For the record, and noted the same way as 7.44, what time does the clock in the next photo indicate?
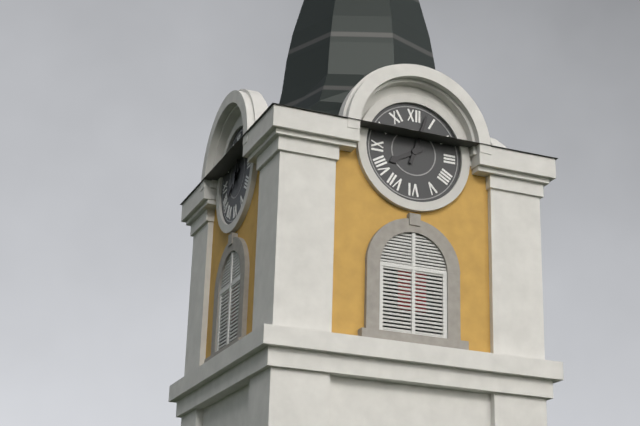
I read 8.03
